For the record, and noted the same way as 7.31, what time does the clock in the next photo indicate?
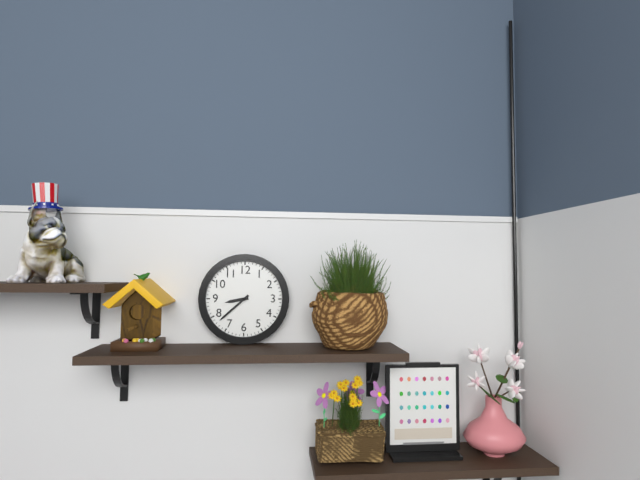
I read 8.38
